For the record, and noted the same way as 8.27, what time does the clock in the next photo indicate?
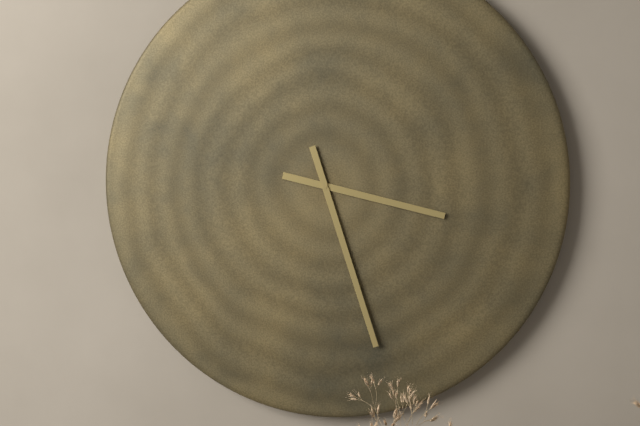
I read 3.27
